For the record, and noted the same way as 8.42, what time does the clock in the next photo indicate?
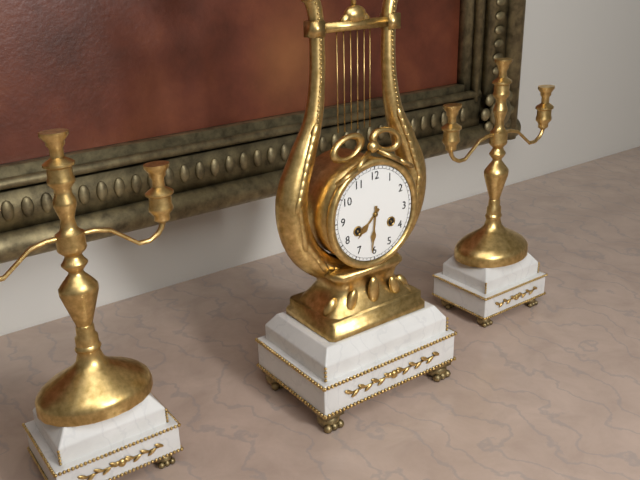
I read 7.31
